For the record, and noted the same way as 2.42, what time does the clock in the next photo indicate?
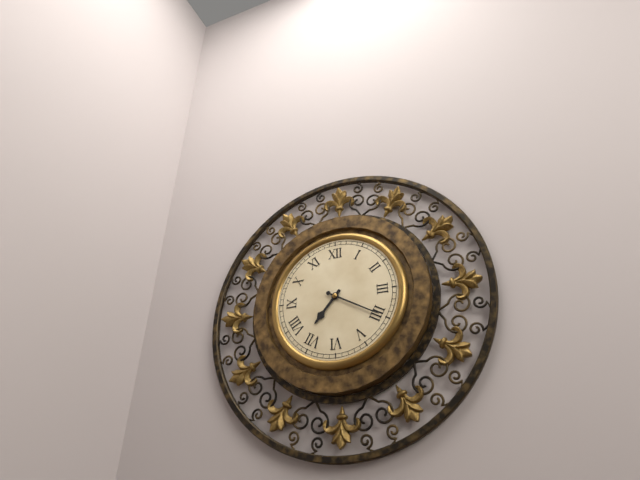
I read 7.20
